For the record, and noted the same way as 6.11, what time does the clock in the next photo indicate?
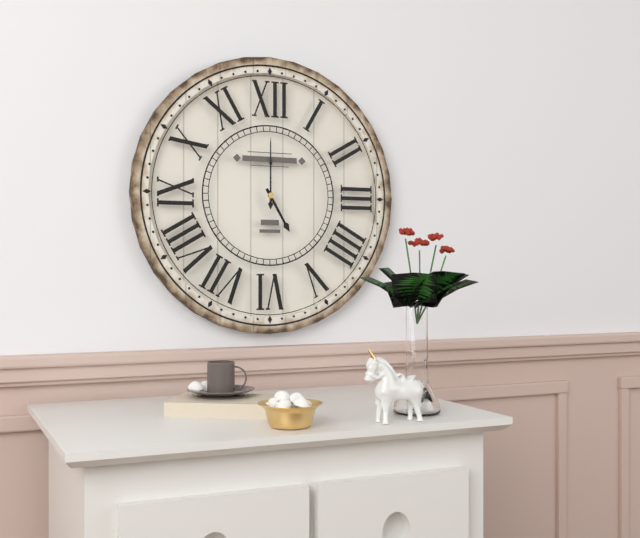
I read 5.00
